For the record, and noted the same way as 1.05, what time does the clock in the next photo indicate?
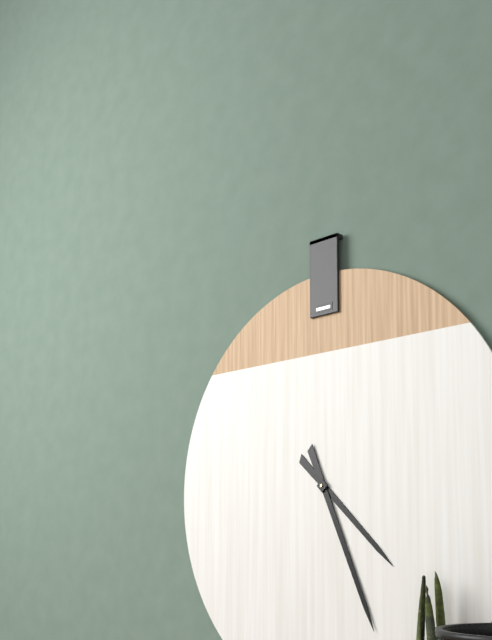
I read 4.26
